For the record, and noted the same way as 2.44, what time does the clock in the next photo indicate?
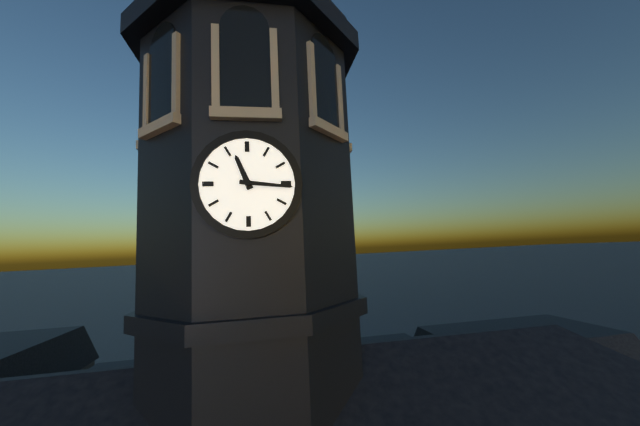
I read 11.16
